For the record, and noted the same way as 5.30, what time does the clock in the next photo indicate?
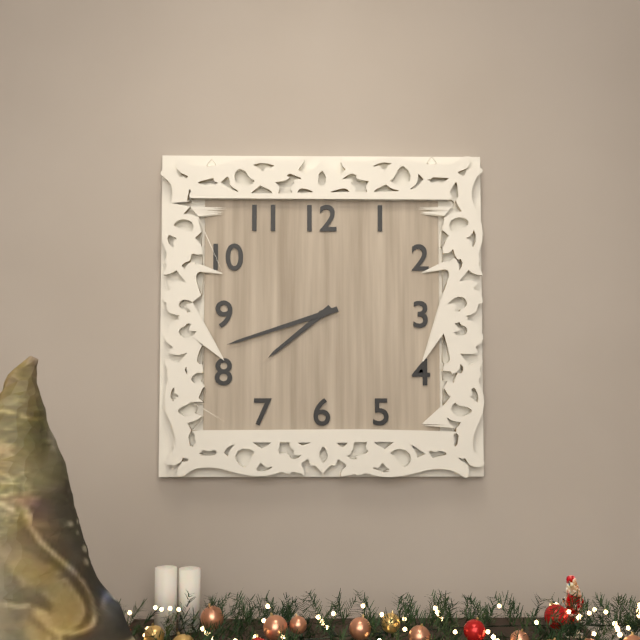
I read 7.42
